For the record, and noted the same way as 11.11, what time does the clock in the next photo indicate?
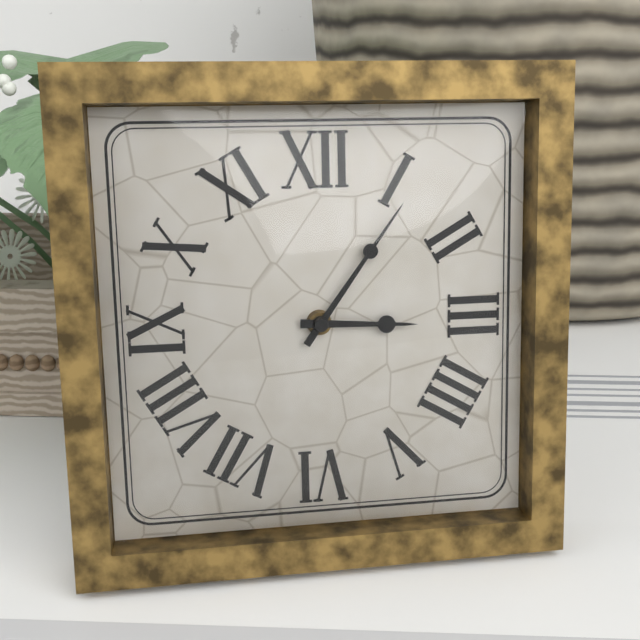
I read 3.06
